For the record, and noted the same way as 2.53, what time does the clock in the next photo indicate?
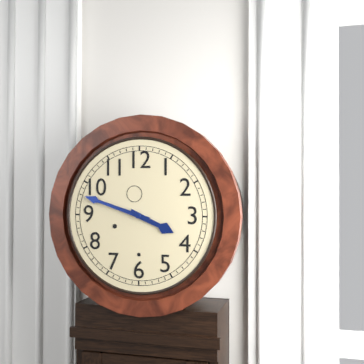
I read 3.48
